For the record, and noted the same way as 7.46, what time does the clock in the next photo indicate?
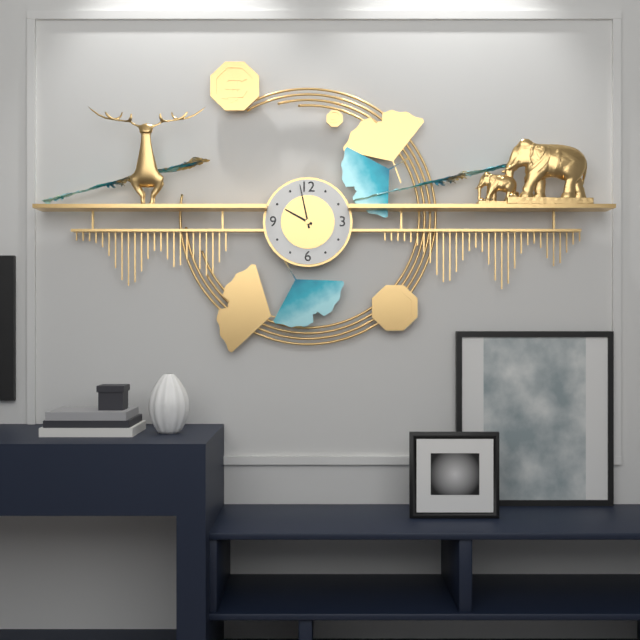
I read 9.58
